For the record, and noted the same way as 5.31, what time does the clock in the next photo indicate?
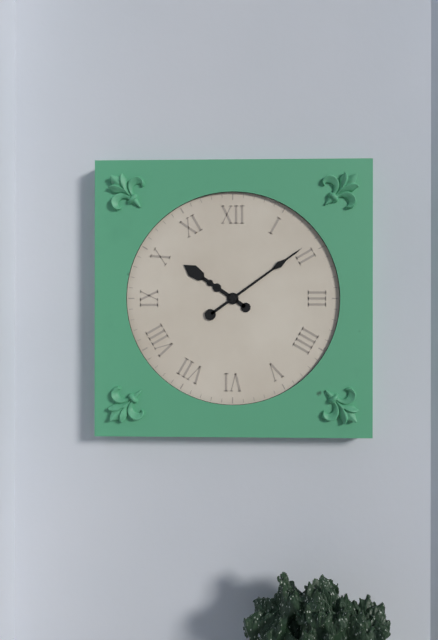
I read 10.09
